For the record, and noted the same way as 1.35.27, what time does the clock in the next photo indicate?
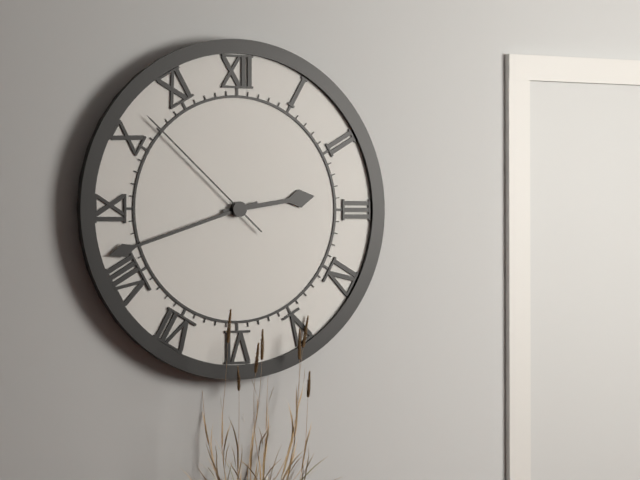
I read 2.42.52
